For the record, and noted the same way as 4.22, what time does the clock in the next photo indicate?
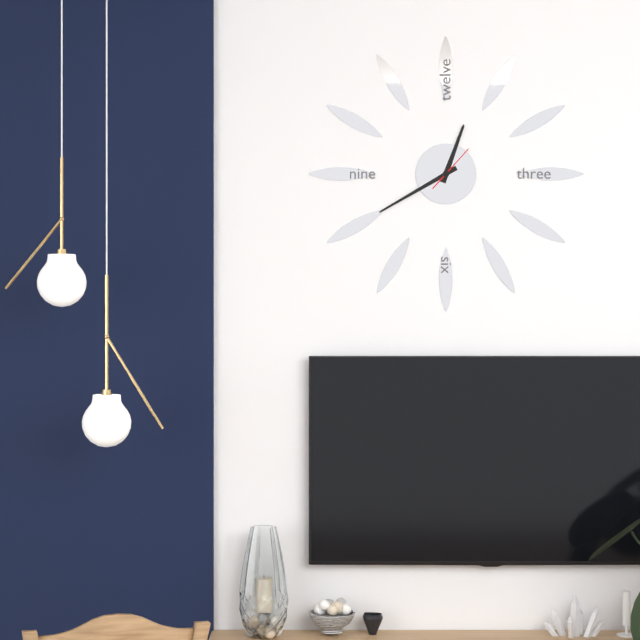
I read 12.40
